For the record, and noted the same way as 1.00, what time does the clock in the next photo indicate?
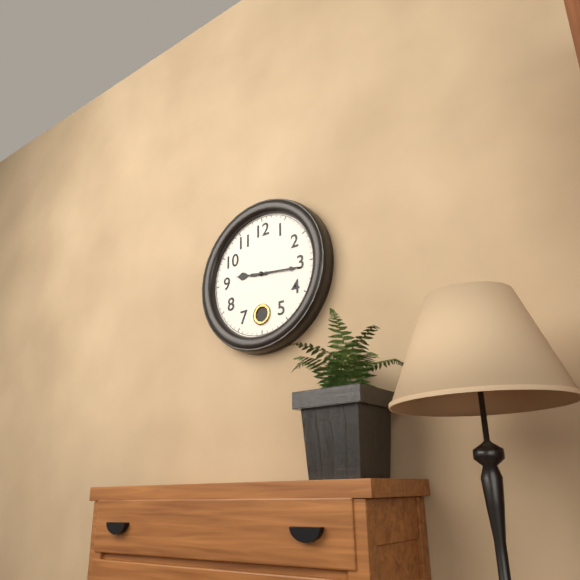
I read 9.16
